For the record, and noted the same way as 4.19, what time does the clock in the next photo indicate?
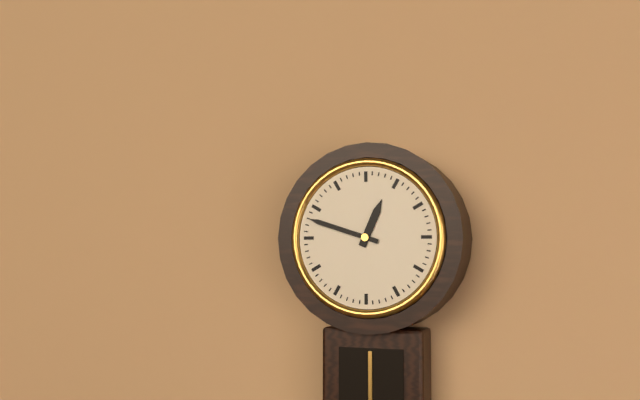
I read 12.48
